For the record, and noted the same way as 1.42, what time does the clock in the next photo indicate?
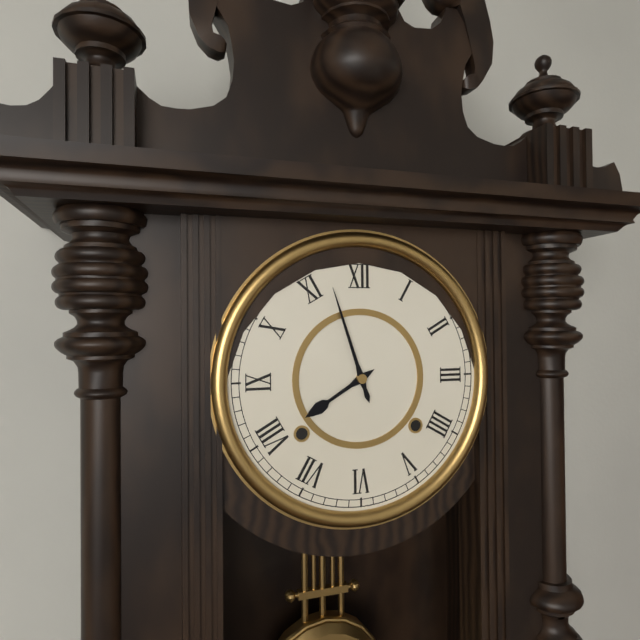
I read 7.57
